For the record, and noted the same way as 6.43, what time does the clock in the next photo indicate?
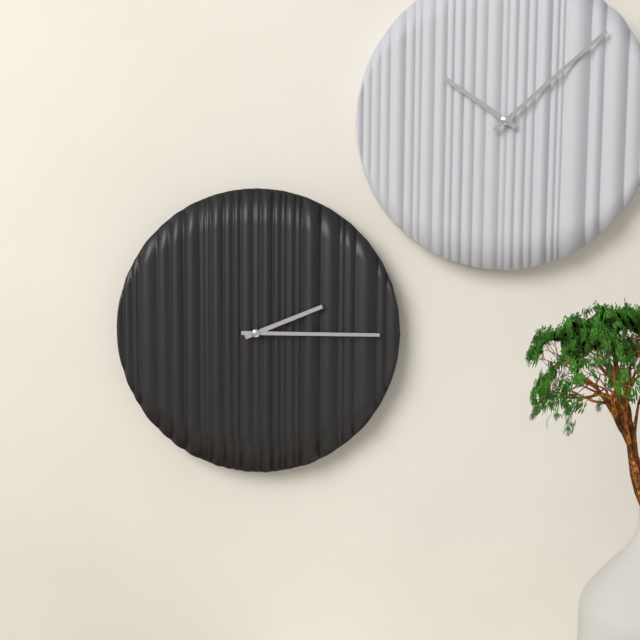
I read 2.15
